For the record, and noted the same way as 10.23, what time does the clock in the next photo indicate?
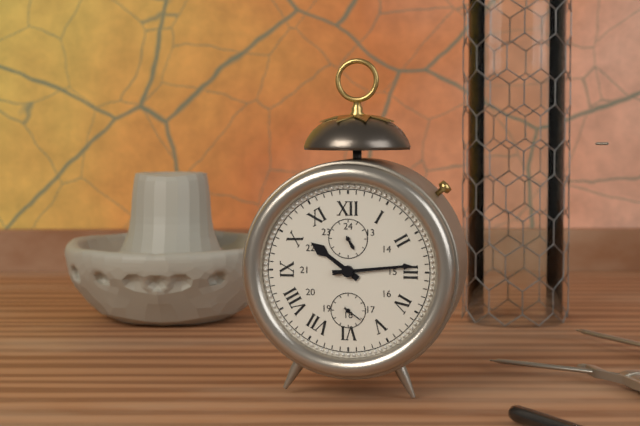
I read 10.14
